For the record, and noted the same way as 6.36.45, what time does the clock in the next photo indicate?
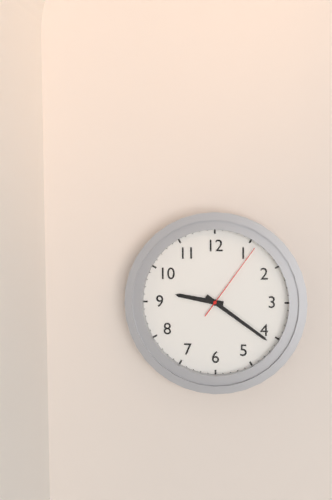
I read 9.21.06
